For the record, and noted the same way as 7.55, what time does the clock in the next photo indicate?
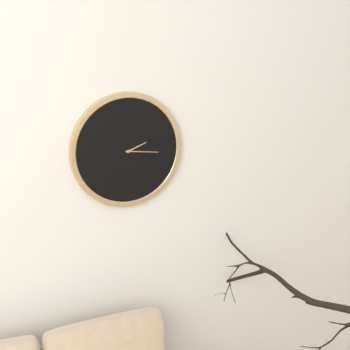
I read 2.16
